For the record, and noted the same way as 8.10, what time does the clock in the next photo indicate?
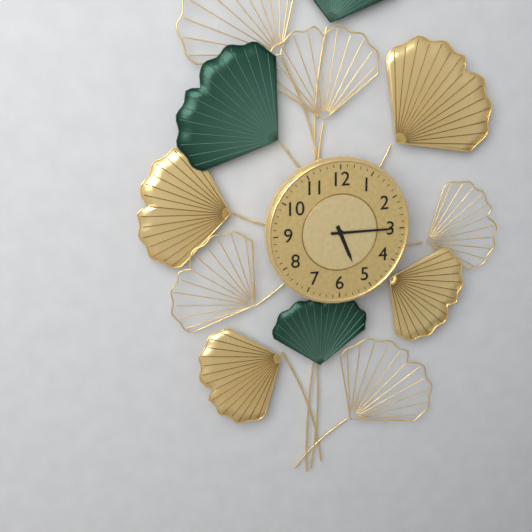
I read 5.15
